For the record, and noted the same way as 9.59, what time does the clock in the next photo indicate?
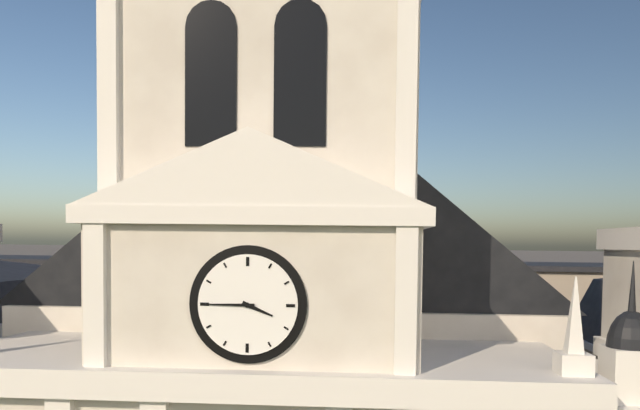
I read 3.45
